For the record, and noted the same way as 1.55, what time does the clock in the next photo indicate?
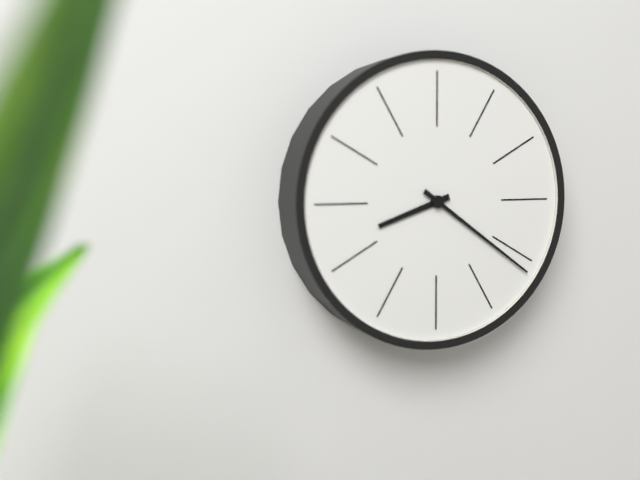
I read 8.21
